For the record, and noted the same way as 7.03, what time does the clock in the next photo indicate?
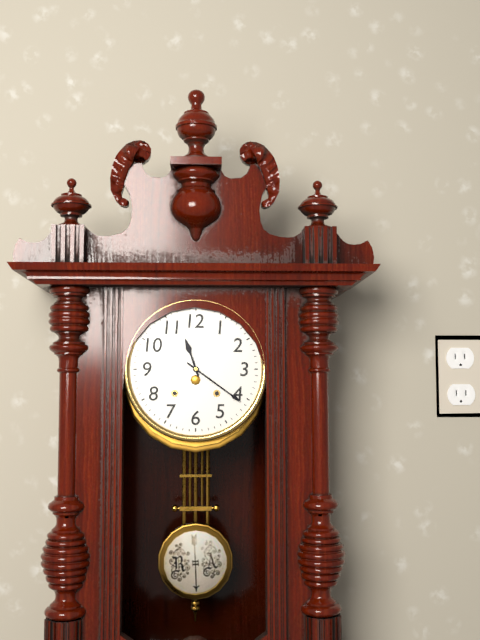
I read 11.21
